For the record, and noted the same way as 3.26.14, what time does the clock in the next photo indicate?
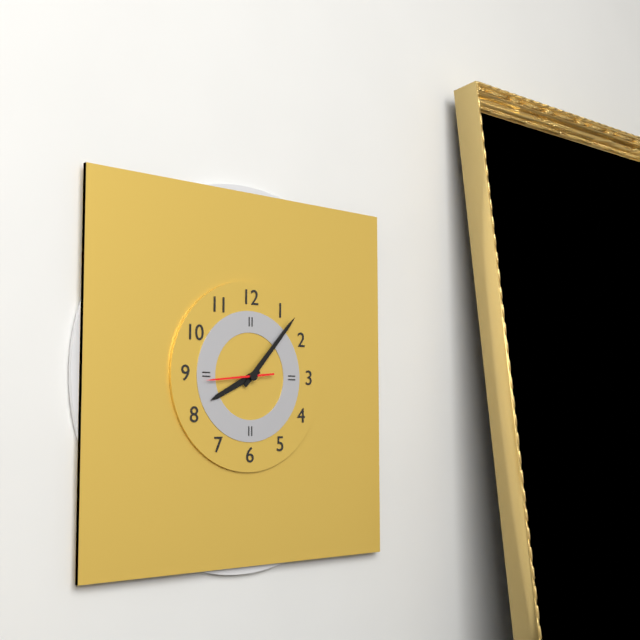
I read 8.07.44
